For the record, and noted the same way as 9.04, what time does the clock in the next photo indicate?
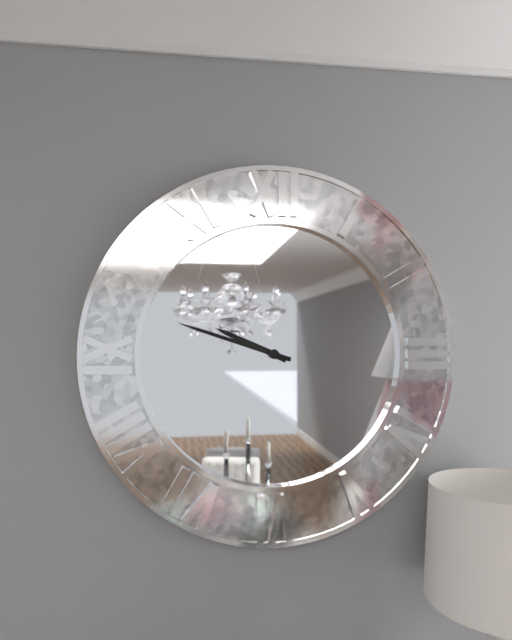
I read 9.48
